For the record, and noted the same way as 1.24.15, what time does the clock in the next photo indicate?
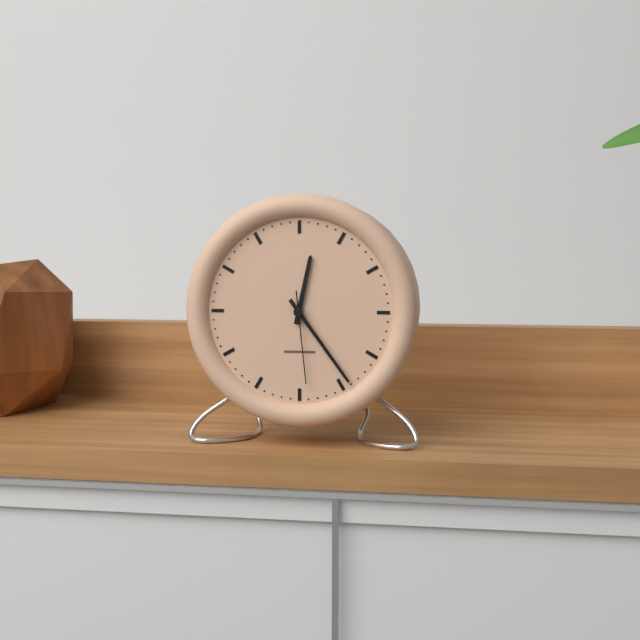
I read 12.24.29
